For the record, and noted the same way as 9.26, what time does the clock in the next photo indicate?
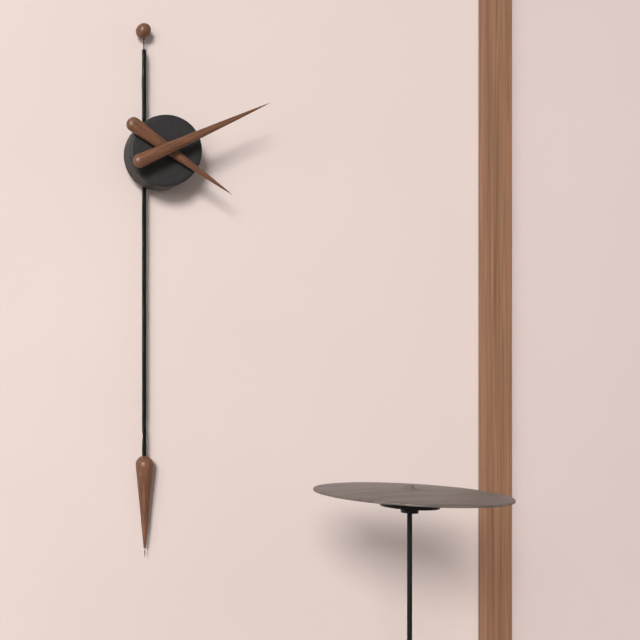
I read 4.11
